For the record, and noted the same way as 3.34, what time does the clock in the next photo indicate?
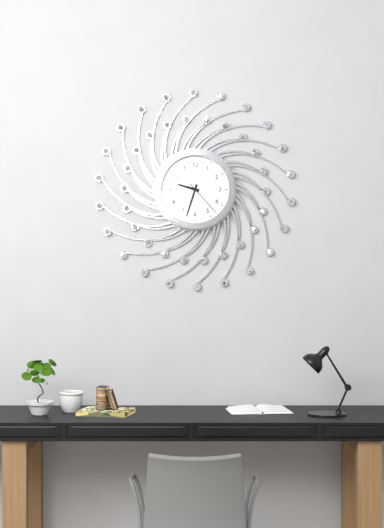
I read 9.33
